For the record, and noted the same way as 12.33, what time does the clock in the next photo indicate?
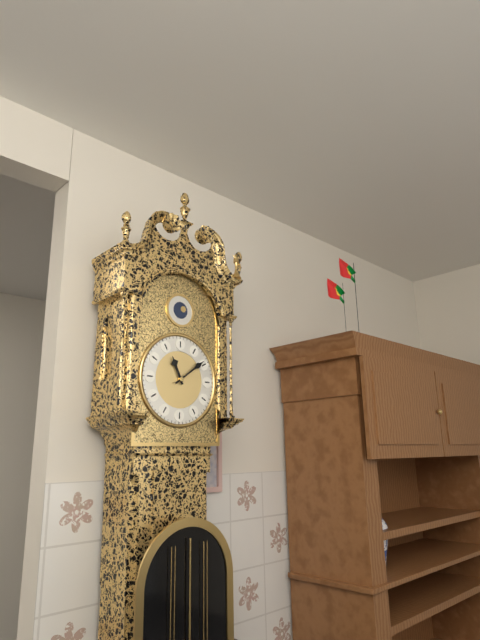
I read 11.09
